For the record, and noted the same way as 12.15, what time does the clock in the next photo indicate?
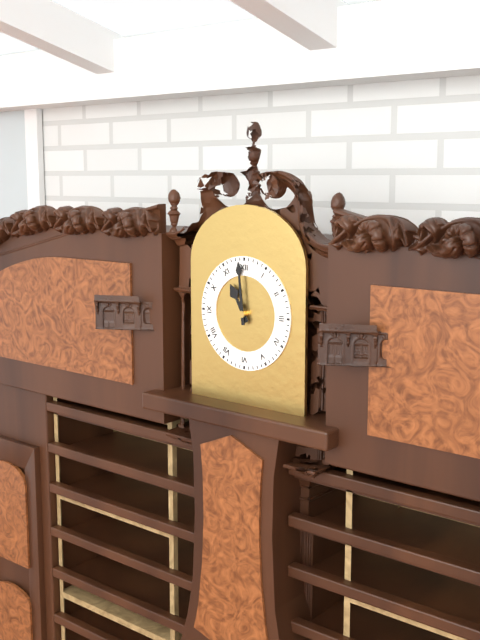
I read 10.59
